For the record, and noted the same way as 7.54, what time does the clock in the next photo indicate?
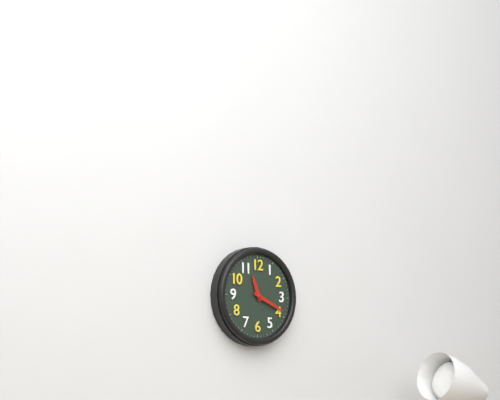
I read 11.19
